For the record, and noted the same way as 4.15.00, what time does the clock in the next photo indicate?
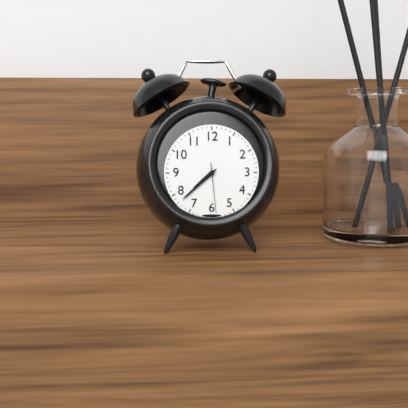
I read 7.38.29
